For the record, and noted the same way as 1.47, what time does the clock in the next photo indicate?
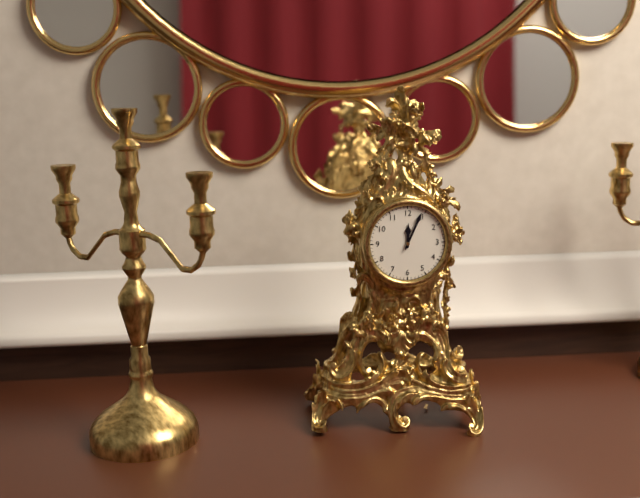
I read 12.04
